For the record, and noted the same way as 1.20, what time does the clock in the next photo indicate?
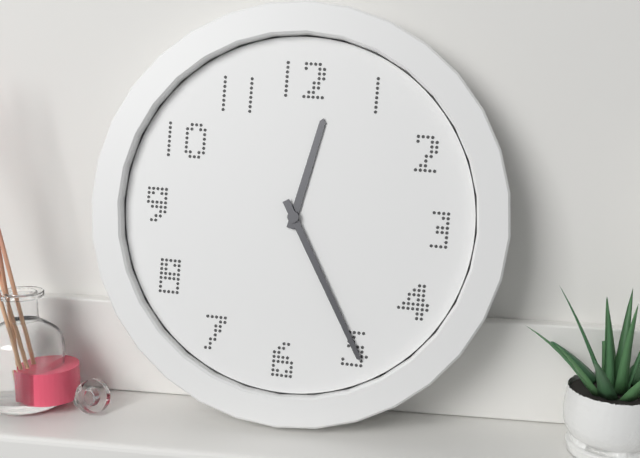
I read 12.25
